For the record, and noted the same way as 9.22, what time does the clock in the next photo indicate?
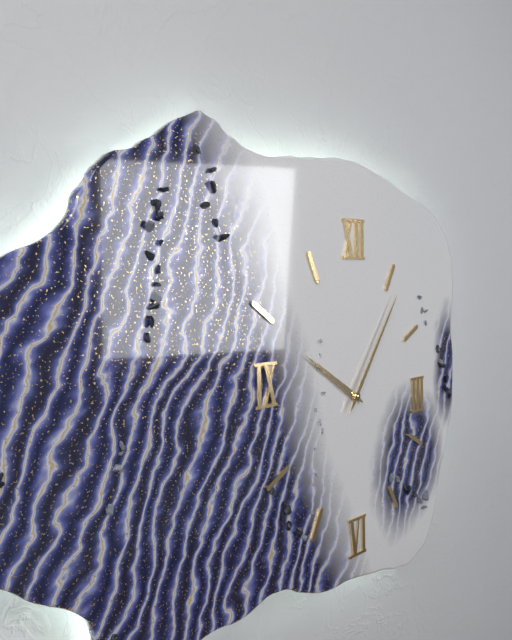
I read 10.06
